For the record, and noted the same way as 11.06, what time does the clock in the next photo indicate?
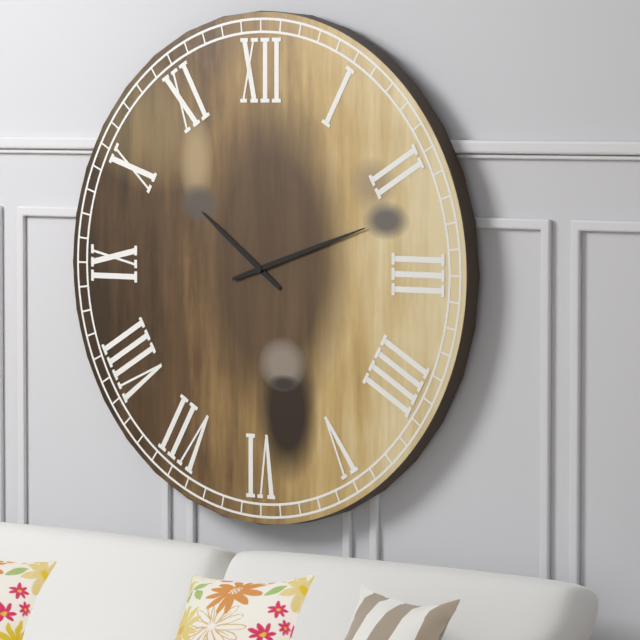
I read 10.12
